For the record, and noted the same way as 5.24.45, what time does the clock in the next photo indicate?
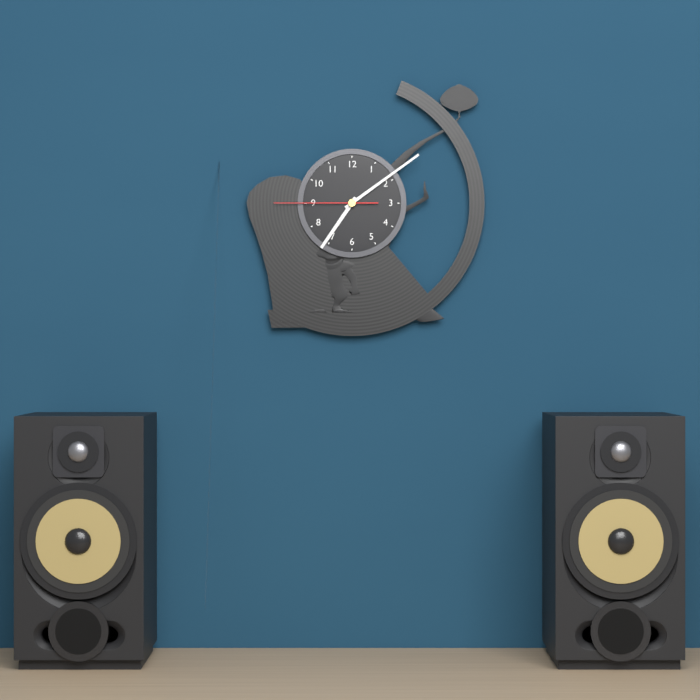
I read 7.09.45
